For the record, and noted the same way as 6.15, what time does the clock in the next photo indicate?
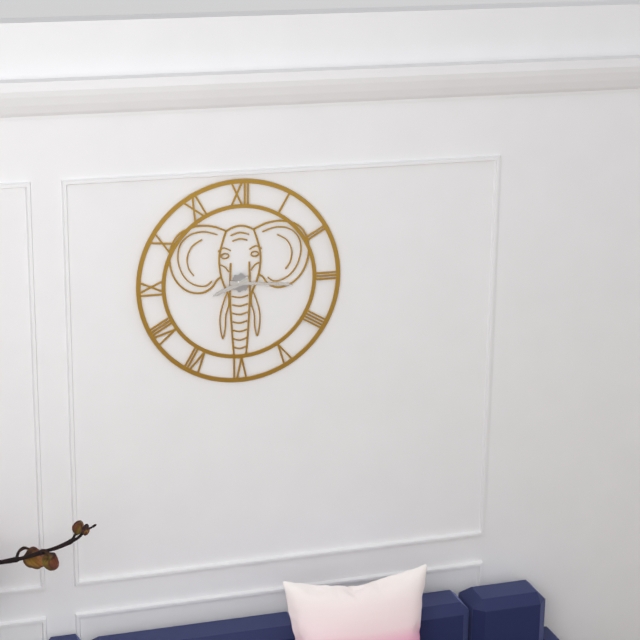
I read 8.16
